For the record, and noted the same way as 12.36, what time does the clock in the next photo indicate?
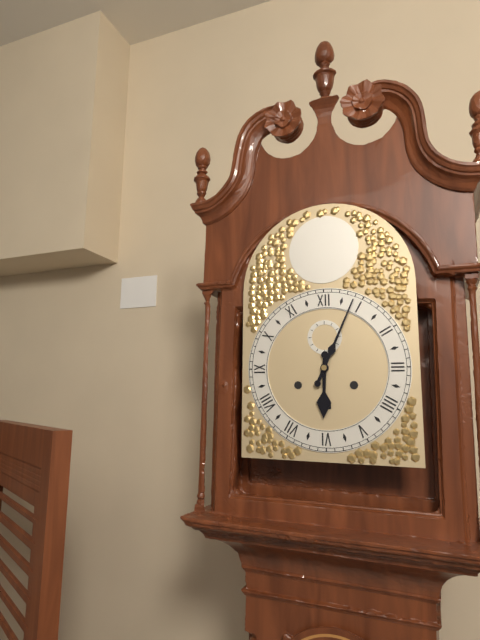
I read 6.04
